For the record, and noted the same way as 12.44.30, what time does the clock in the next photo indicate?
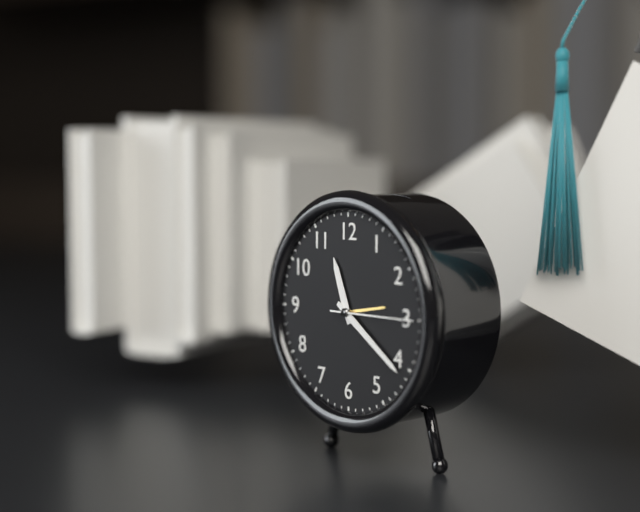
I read 11.21.15
